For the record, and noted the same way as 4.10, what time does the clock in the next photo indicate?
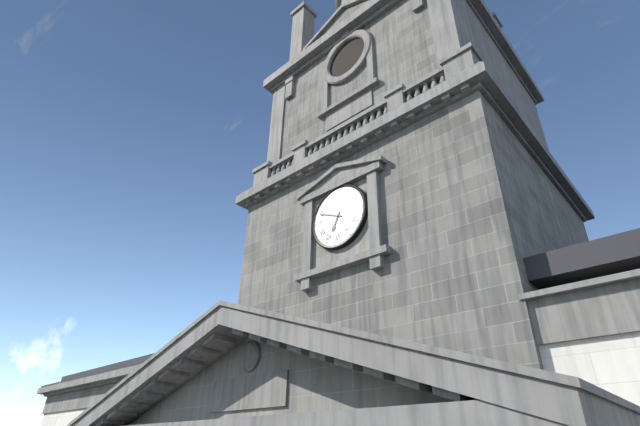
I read 6.49
